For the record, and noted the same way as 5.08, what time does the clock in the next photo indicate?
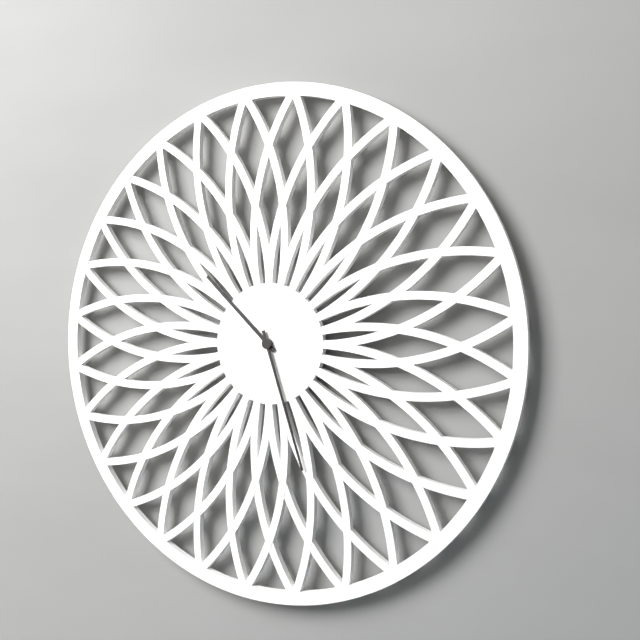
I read 10.27
